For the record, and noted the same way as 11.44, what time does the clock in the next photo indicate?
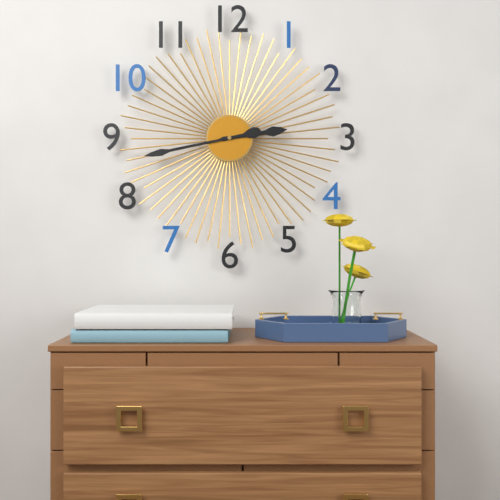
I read 2.43
